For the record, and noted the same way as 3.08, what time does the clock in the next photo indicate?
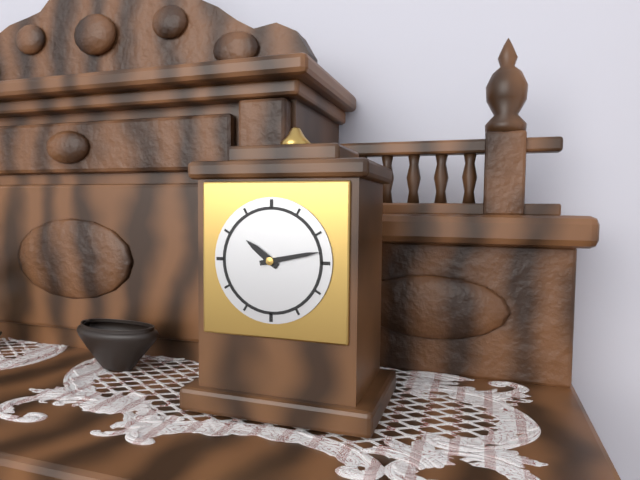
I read 10.13
